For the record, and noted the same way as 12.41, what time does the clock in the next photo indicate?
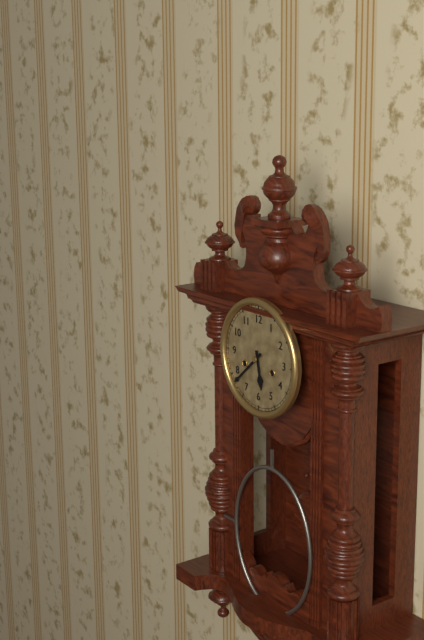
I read 5.38
